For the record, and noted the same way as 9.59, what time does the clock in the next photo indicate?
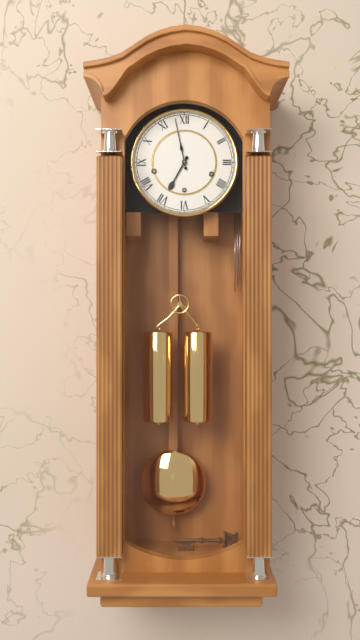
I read 6.58
